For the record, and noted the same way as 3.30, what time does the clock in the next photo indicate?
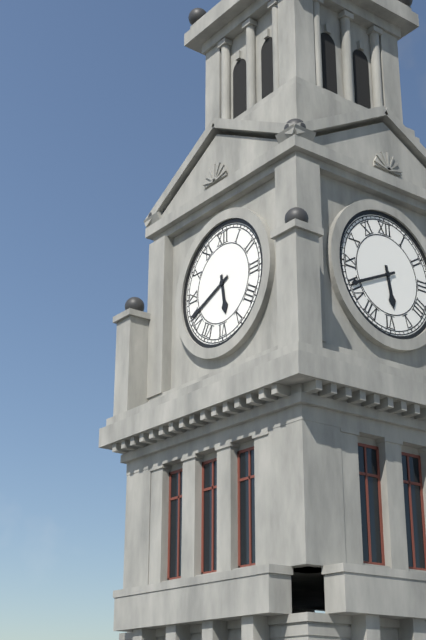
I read 5.41
